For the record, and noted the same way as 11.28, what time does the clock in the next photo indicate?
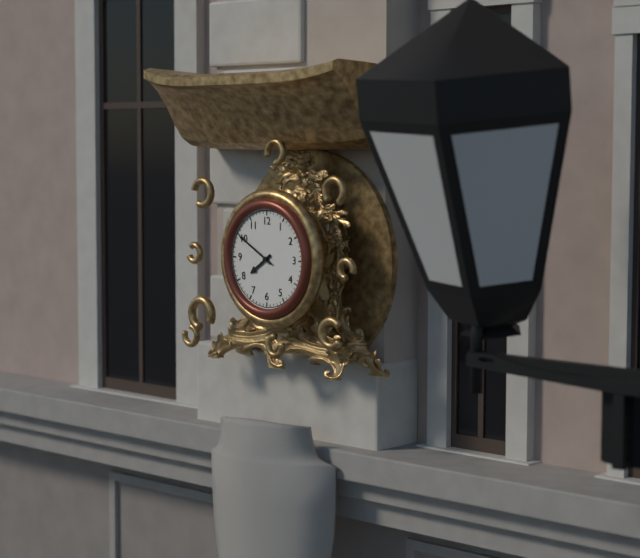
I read 7.50
